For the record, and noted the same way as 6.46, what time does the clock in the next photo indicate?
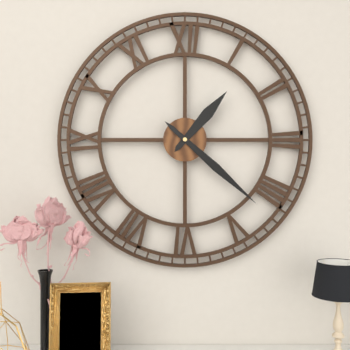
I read 1.22
